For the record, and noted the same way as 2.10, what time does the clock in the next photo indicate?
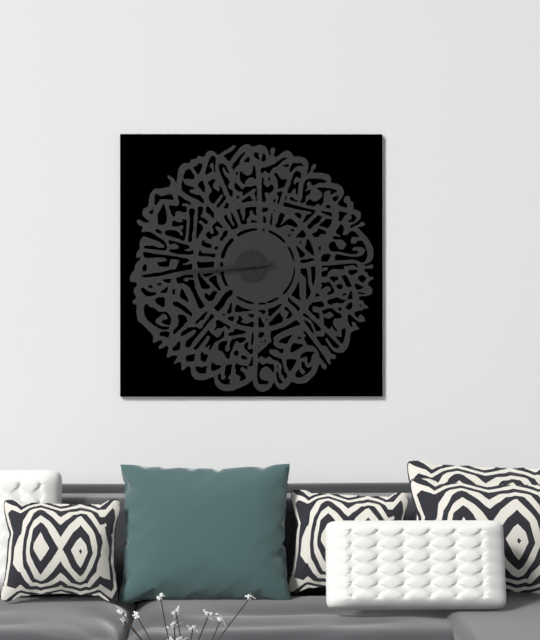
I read 8.44
